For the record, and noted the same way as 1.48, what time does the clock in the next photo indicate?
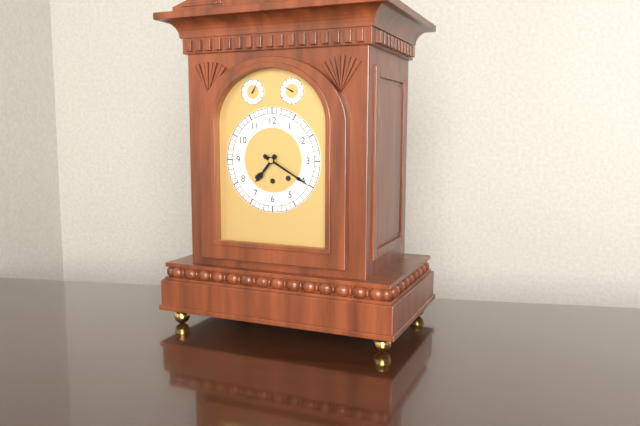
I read 7.20
